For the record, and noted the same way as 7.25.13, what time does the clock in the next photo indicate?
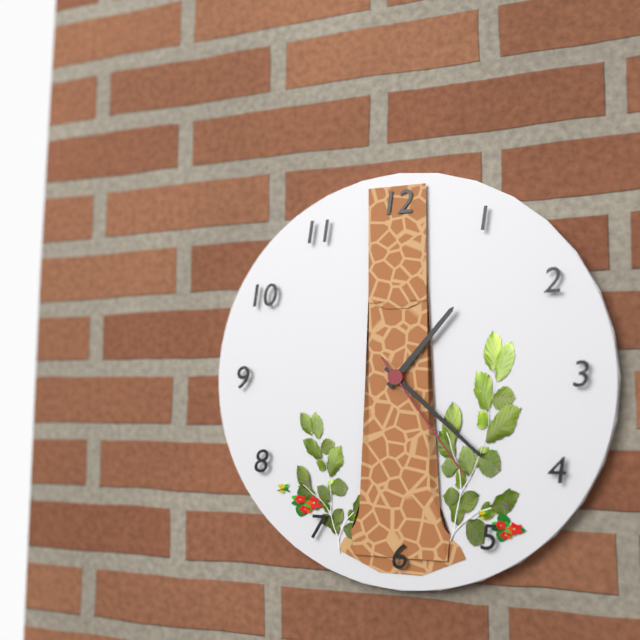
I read 1.22.24
